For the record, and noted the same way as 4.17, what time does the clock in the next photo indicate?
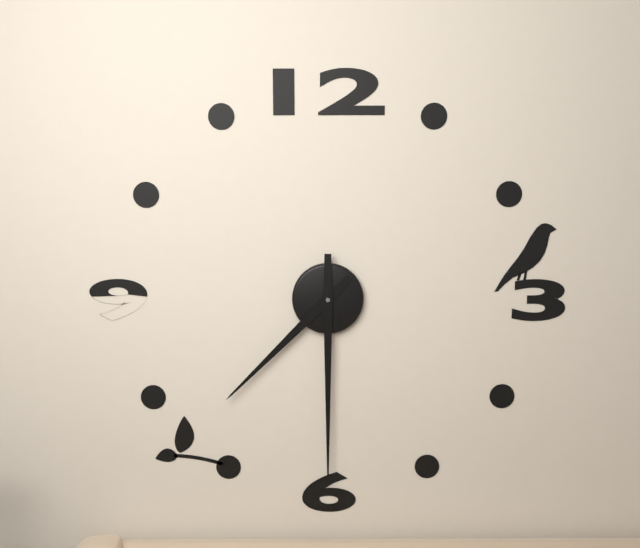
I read 7.30
